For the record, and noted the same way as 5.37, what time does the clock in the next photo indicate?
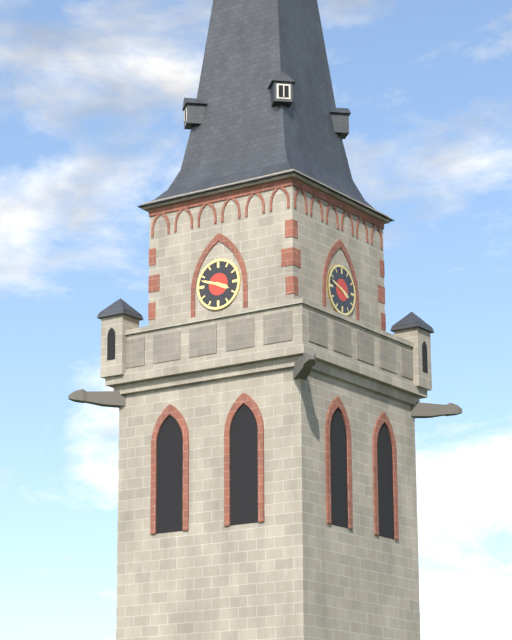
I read 3.48
